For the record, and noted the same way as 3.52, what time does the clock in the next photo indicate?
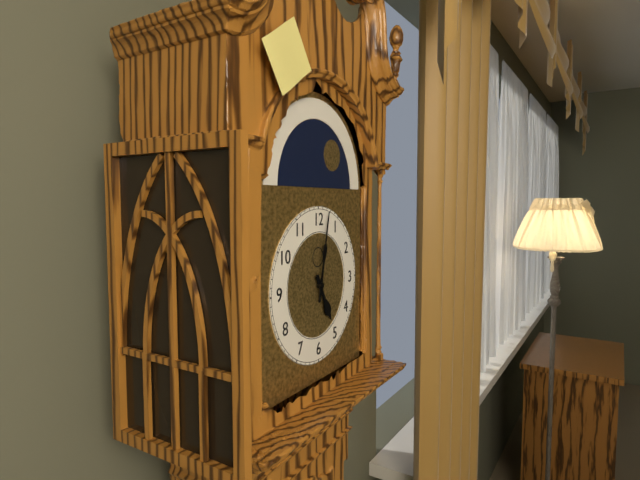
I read 5.02
